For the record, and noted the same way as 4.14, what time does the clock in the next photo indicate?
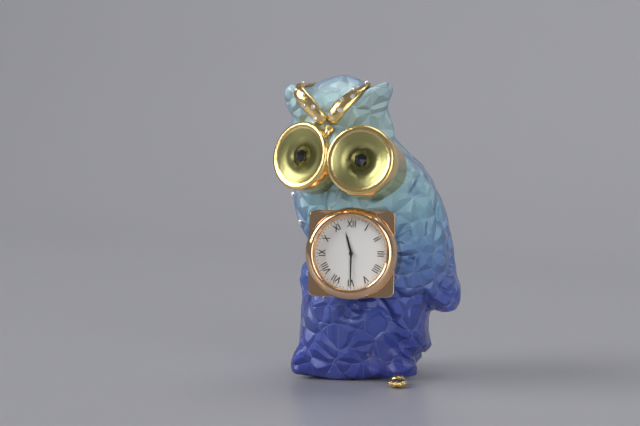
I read 11.30
